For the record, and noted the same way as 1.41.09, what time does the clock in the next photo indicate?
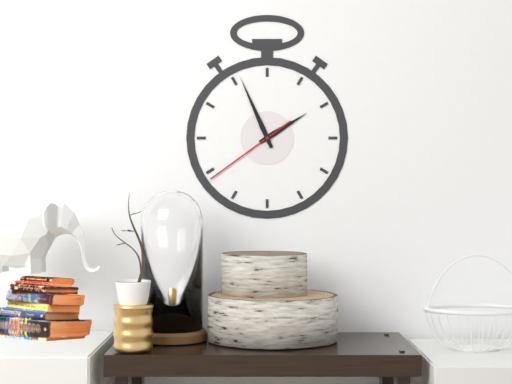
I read 1.56.39
